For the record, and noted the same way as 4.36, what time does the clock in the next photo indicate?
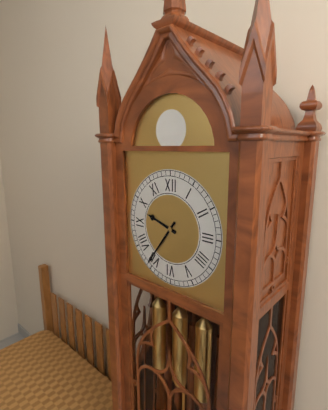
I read 9.36
